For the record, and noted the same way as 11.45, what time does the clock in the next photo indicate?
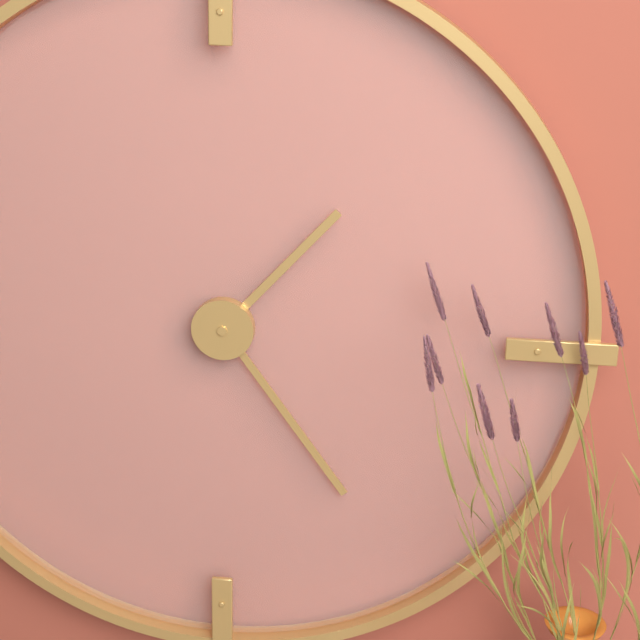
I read 1.24
